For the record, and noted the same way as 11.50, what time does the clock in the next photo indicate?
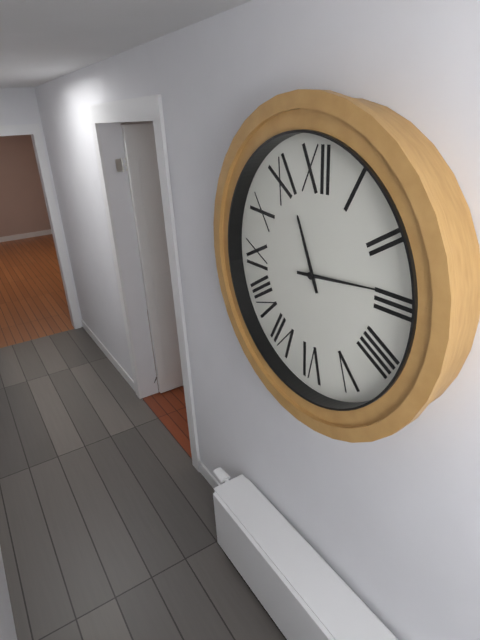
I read 11.14
